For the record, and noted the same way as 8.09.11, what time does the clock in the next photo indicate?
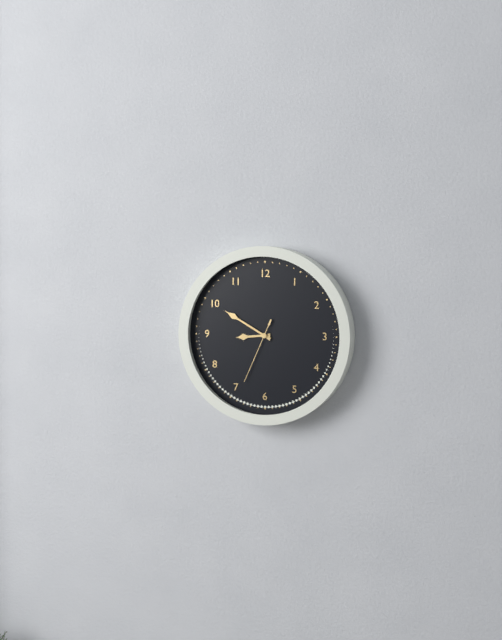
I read 8.50.34
